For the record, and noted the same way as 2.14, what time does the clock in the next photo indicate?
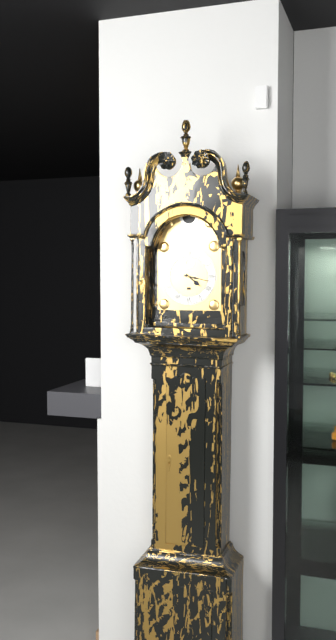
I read 4.17
